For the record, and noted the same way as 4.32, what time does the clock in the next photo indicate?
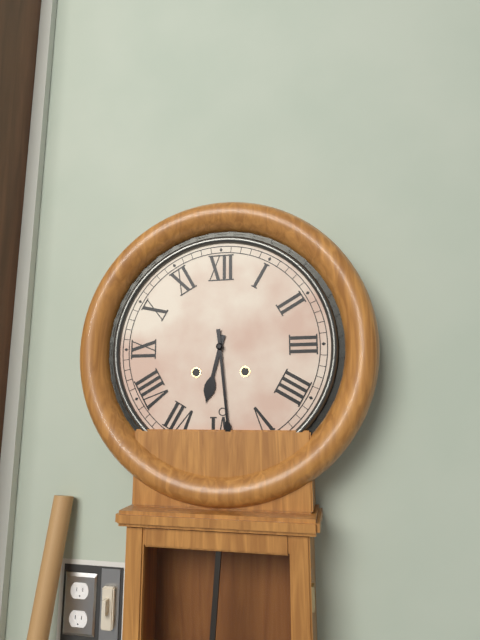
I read 6.29
